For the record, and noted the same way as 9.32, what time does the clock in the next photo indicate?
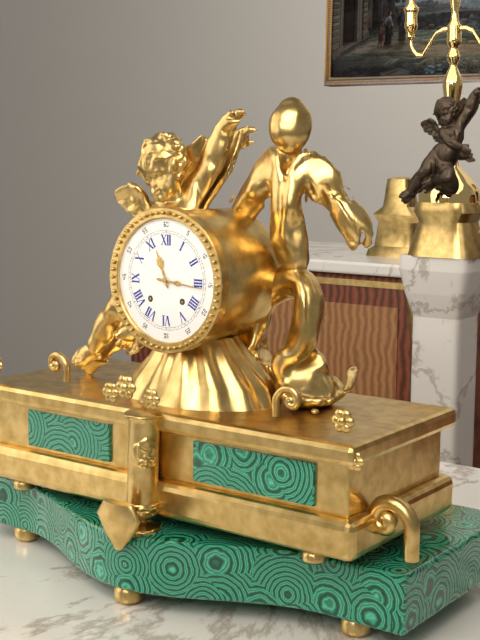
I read 11.16
